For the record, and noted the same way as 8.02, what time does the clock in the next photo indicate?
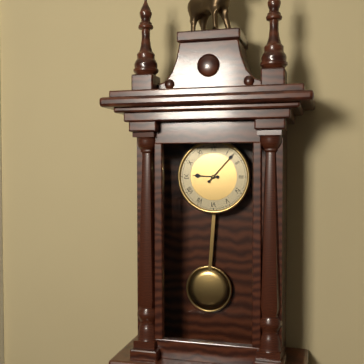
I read 9.07
